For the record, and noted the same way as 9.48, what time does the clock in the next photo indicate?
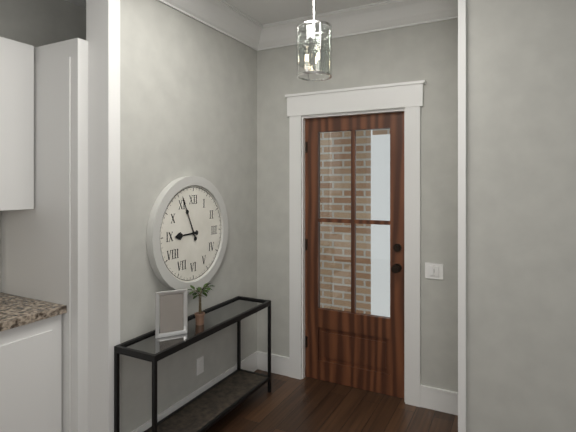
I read 8.56
